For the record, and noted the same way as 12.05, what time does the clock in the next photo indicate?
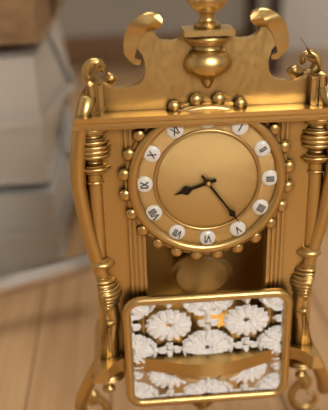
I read 8.24
